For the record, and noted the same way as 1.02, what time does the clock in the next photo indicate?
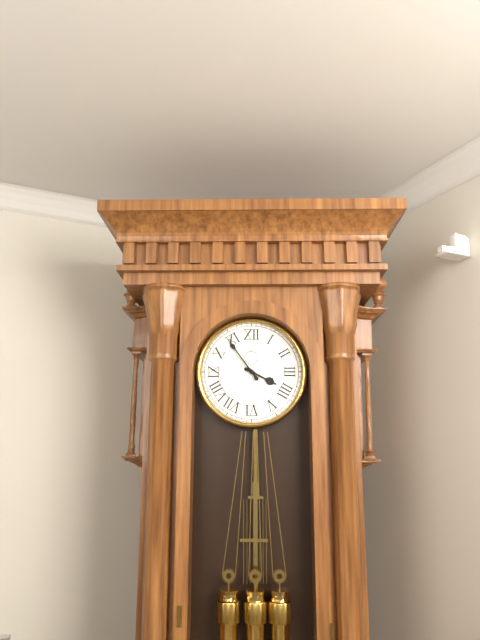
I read 3.54
